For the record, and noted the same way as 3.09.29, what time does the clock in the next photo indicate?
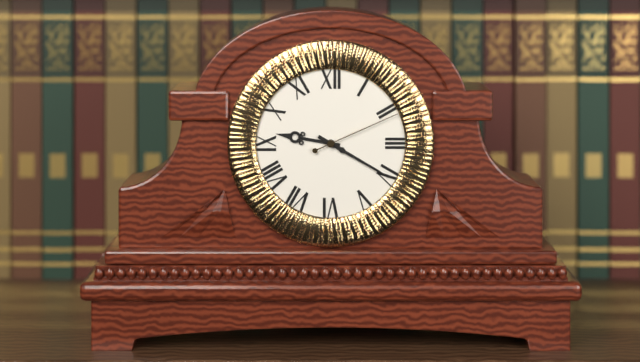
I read 9.20.11
